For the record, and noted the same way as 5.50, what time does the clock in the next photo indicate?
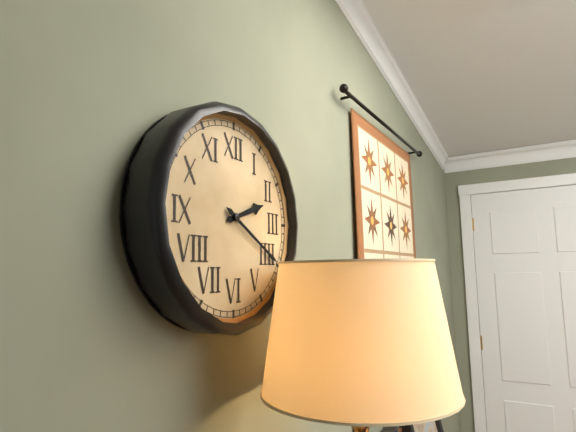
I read 2.20
